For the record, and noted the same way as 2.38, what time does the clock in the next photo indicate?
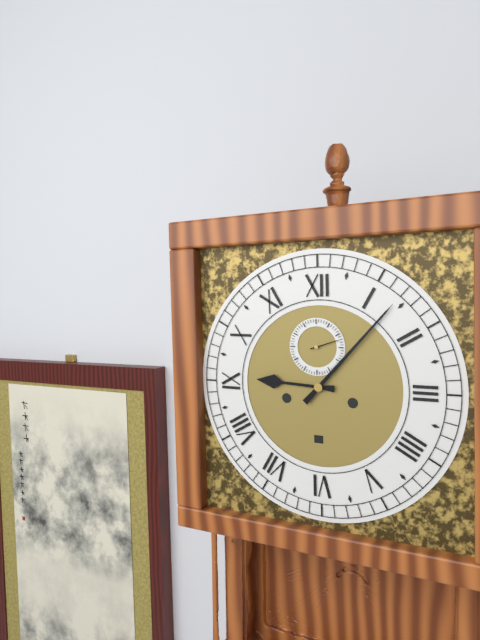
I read 9.07
